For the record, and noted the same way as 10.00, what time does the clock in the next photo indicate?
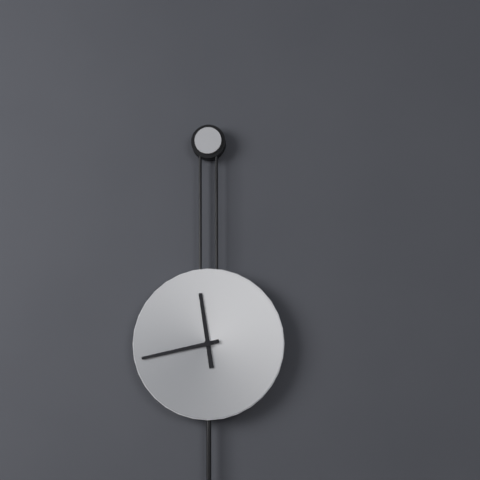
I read 11.43
